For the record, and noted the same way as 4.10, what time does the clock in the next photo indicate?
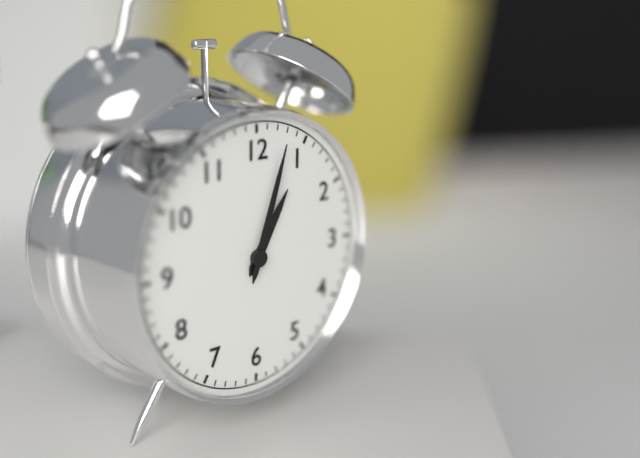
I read 1.03
